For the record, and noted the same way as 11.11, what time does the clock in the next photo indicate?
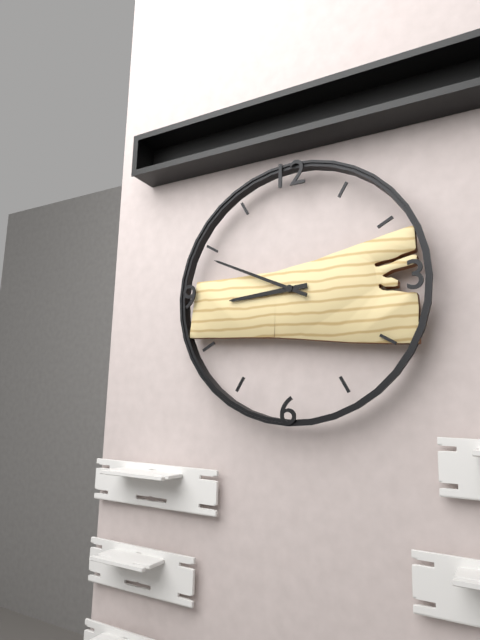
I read 8.49
